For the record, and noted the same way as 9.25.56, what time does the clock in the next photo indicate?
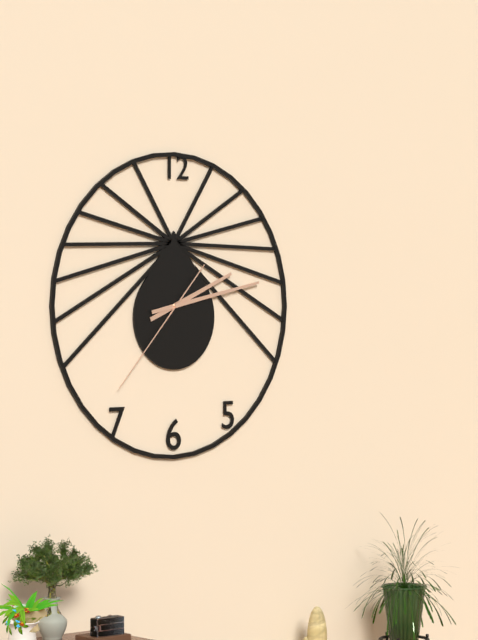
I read 2.13.37
